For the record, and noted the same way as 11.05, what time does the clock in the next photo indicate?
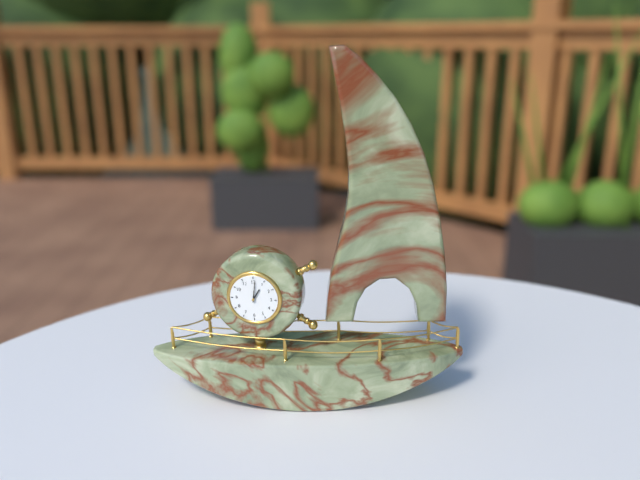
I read 1.01
